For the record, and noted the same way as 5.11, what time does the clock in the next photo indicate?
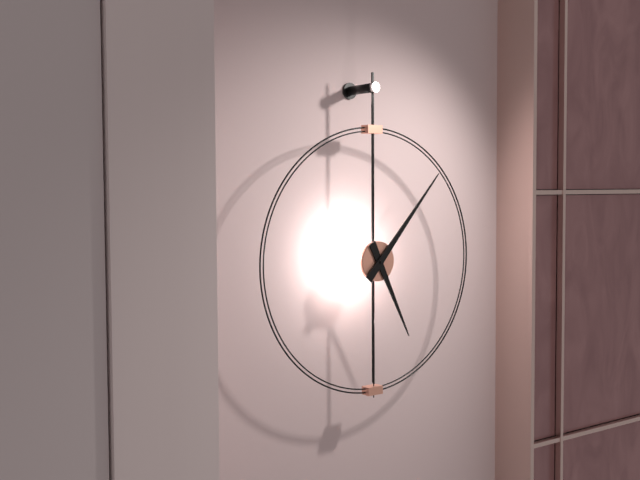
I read 5.07
